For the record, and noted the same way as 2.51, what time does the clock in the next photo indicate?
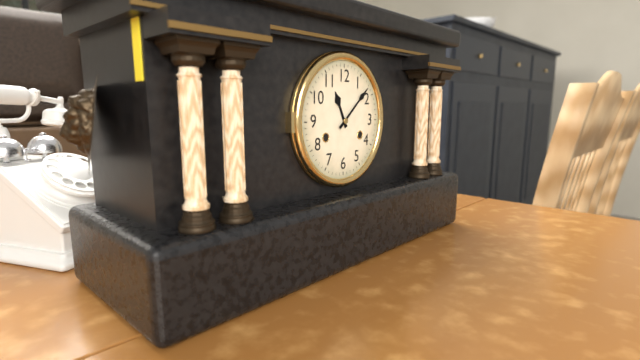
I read 11.08
